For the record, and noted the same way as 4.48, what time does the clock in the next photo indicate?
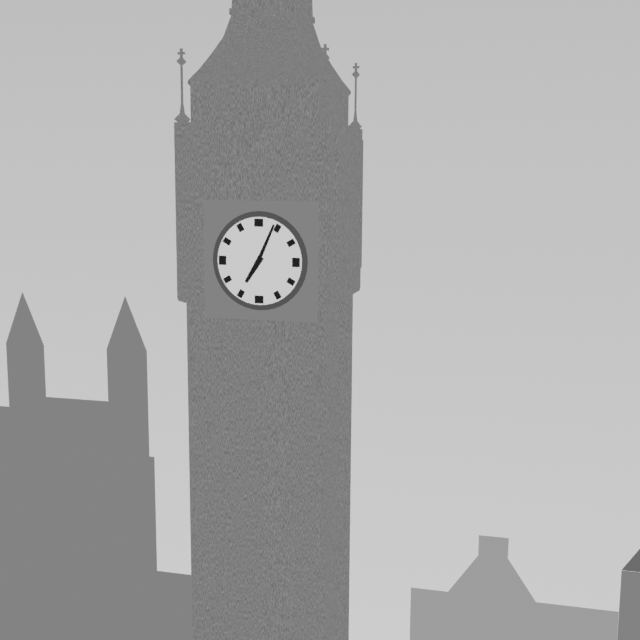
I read 7.04
